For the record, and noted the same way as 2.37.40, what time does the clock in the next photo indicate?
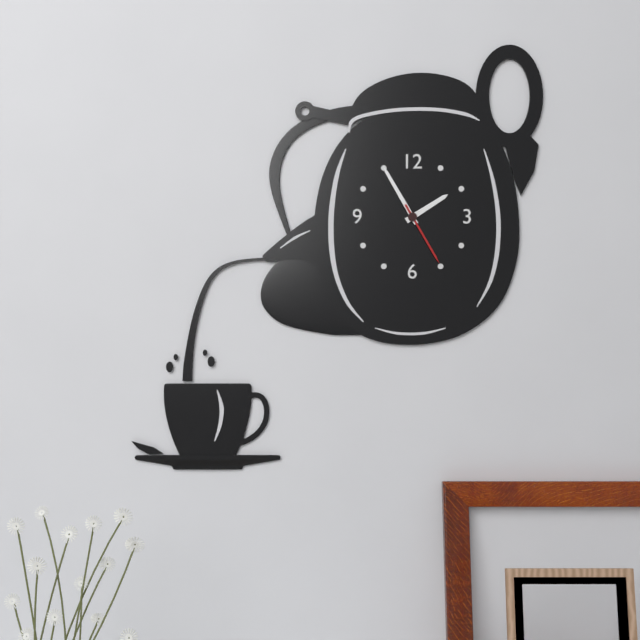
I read 1.55.25
